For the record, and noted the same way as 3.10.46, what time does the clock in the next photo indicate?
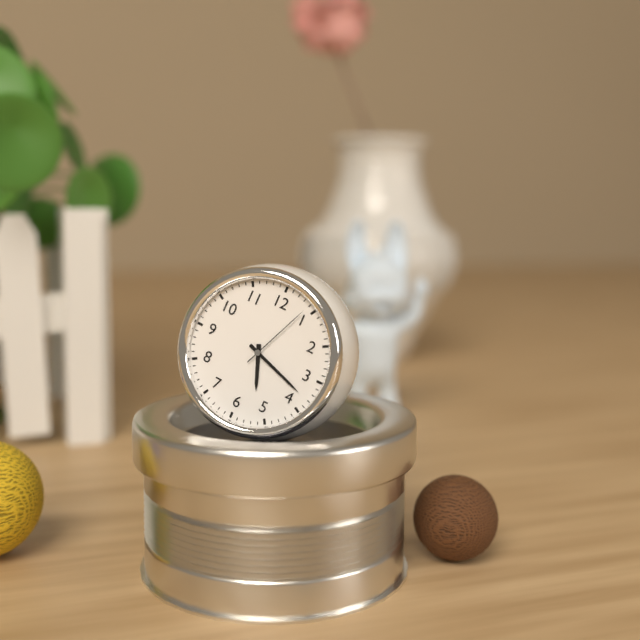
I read 5.18.04
